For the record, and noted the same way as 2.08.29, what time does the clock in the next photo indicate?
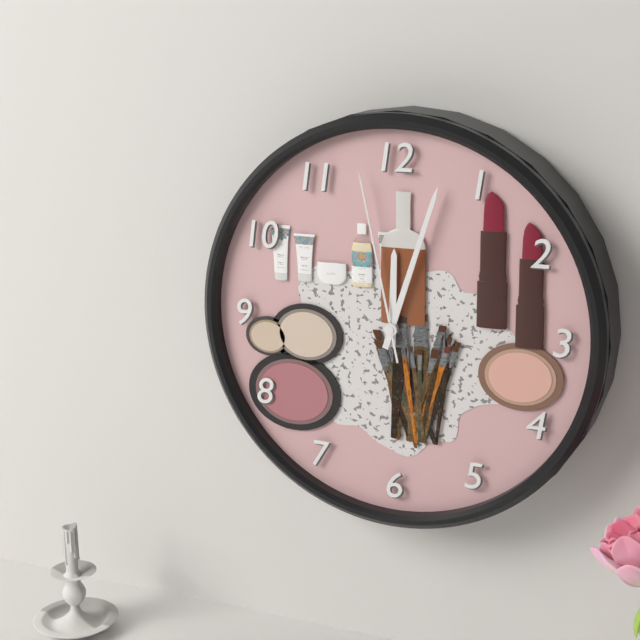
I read 12.03.58
